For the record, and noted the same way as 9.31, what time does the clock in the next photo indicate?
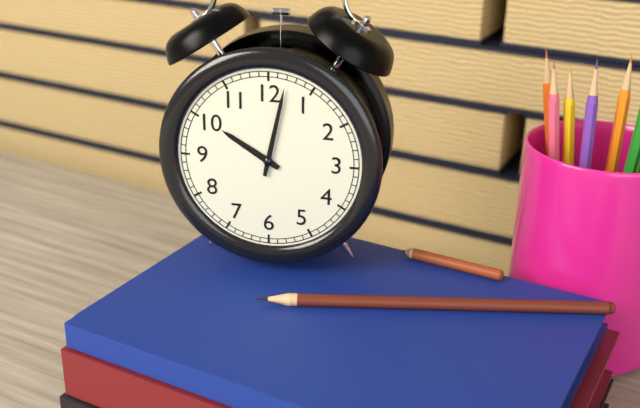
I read 10.02
